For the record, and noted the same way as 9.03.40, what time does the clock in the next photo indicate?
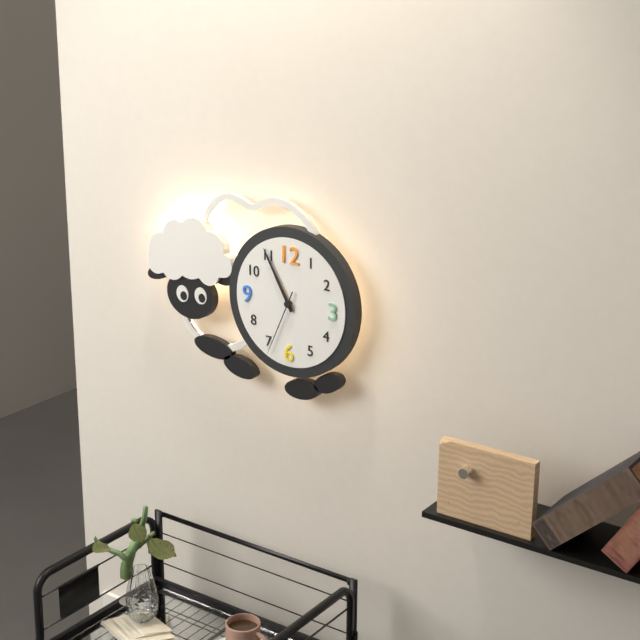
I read 10.55.34
